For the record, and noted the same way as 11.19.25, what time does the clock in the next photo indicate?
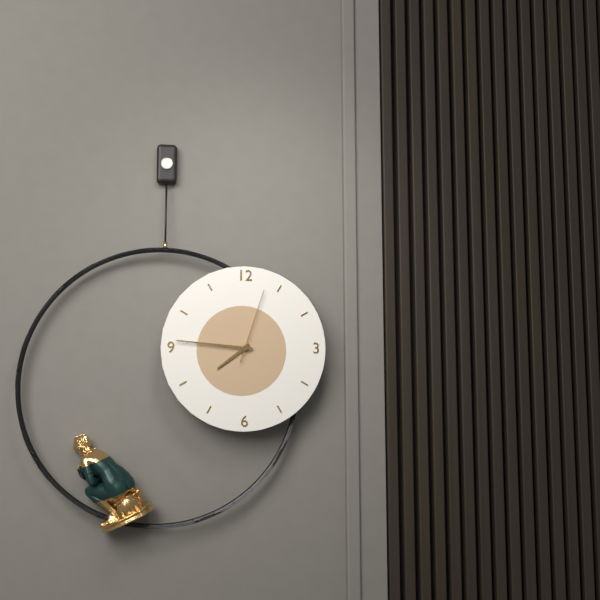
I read 7.46.03
